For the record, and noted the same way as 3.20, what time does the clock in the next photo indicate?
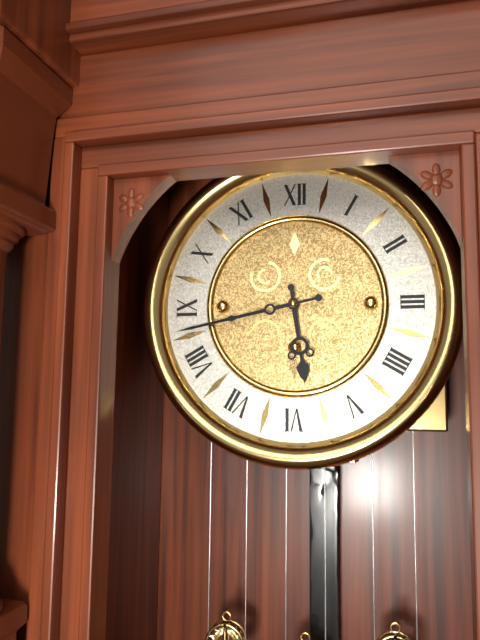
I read 5.43
